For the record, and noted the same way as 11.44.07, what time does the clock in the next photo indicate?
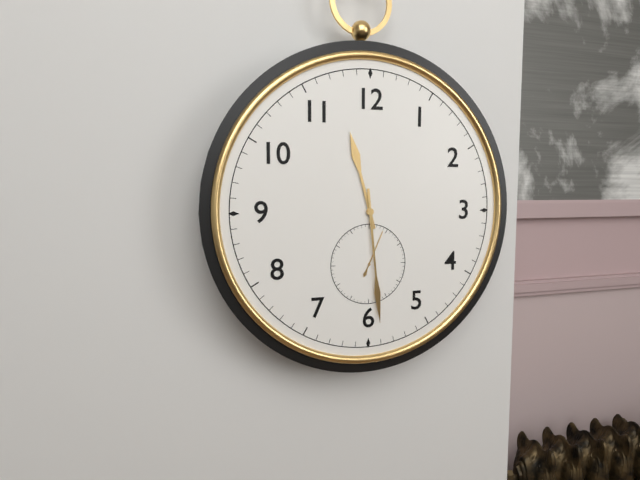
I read 11.29.04
